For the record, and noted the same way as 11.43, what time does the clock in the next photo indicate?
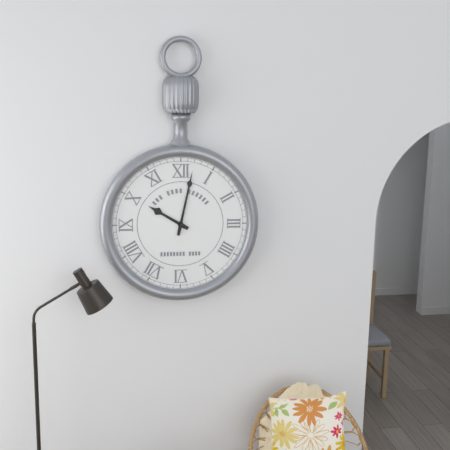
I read 10.02
